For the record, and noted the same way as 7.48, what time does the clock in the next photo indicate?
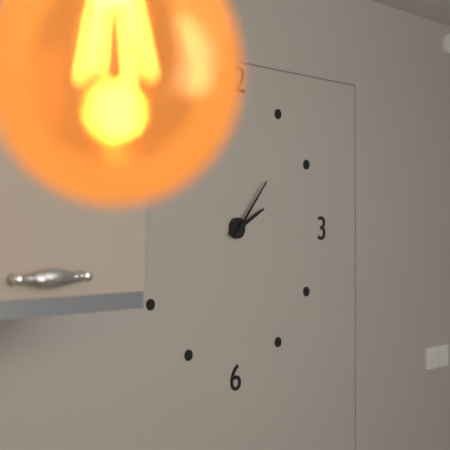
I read 2.07
